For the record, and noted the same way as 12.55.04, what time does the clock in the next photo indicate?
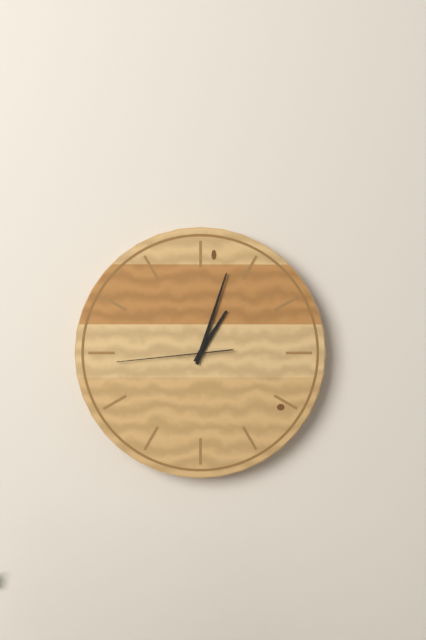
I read 1.03.44
